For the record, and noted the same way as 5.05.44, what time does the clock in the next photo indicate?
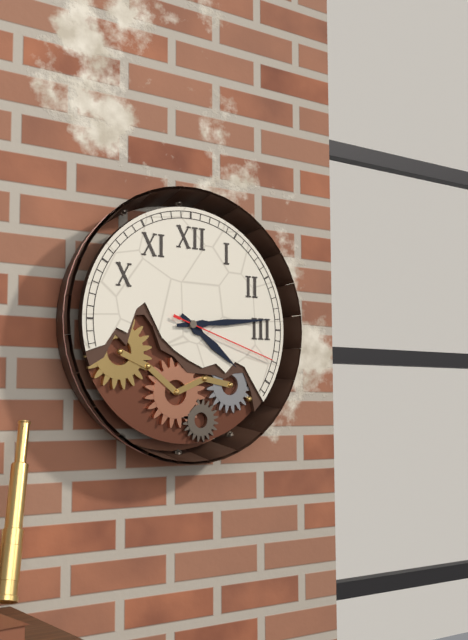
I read 4.14.18
